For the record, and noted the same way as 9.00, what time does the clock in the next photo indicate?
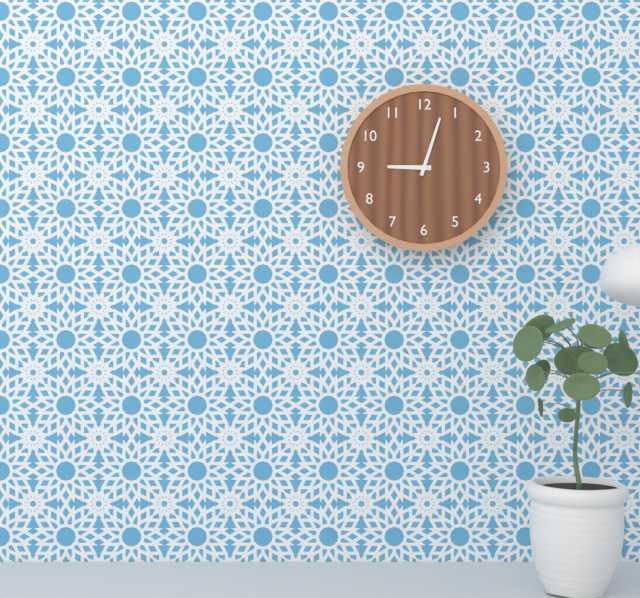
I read 9.03
